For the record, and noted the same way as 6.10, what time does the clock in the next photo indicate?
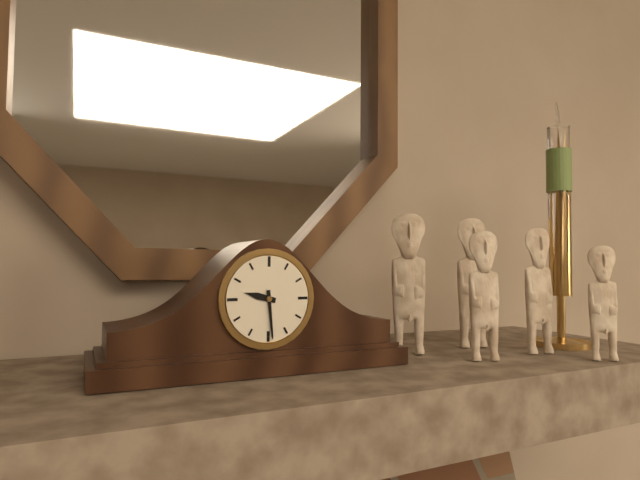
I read 9.29
